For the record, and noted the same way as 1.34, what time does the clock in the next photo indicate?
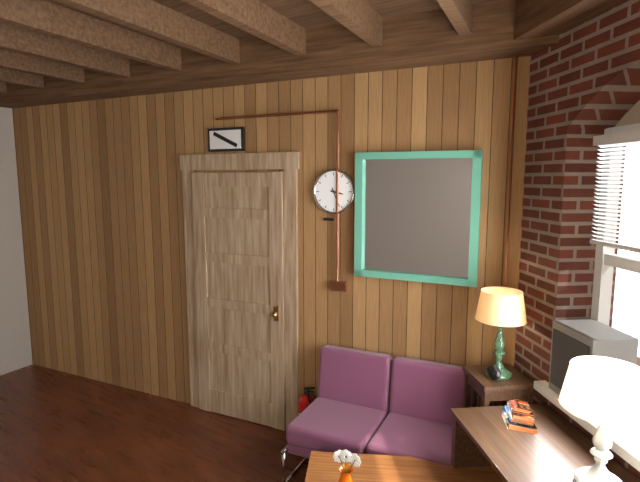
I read 3.26
